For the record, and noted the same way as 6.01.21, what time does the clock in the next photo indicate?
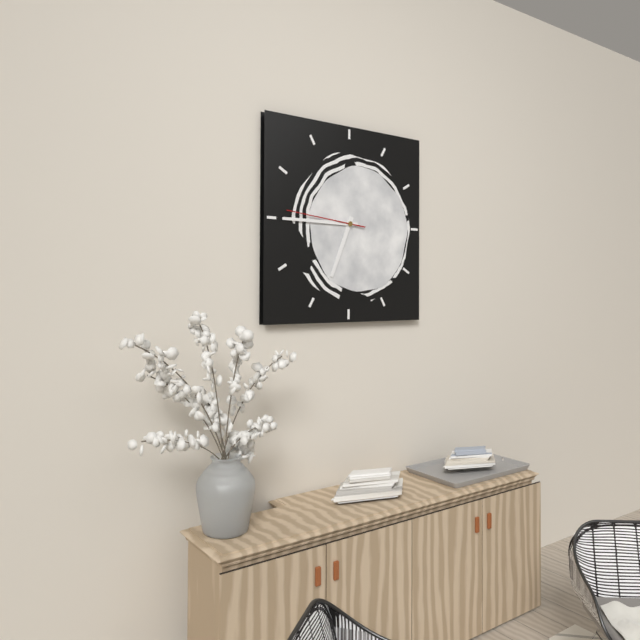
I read 6.45.46
